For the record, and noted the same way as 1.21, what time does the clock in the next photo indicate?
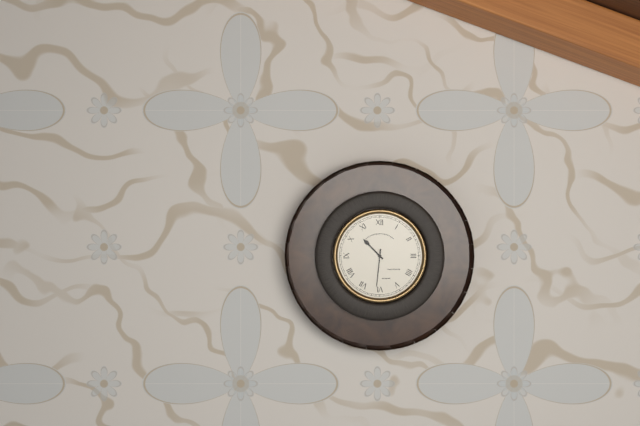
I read 10.31
